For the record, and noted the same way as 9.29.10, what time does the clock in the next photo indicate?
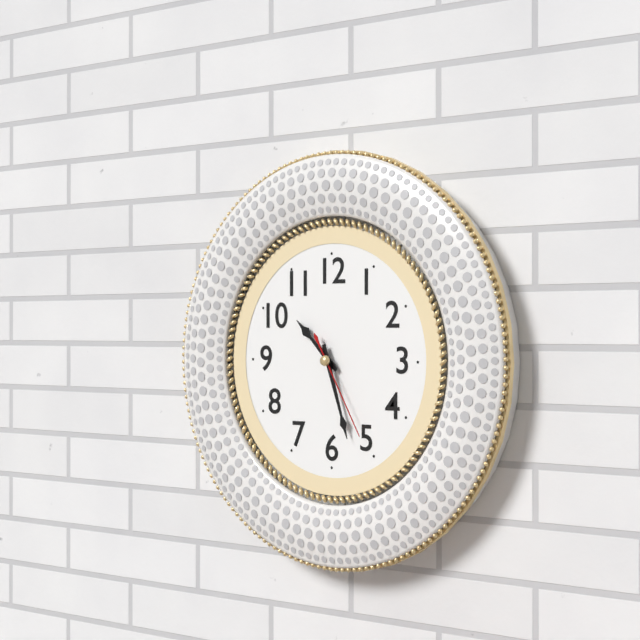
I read 10.27.25
